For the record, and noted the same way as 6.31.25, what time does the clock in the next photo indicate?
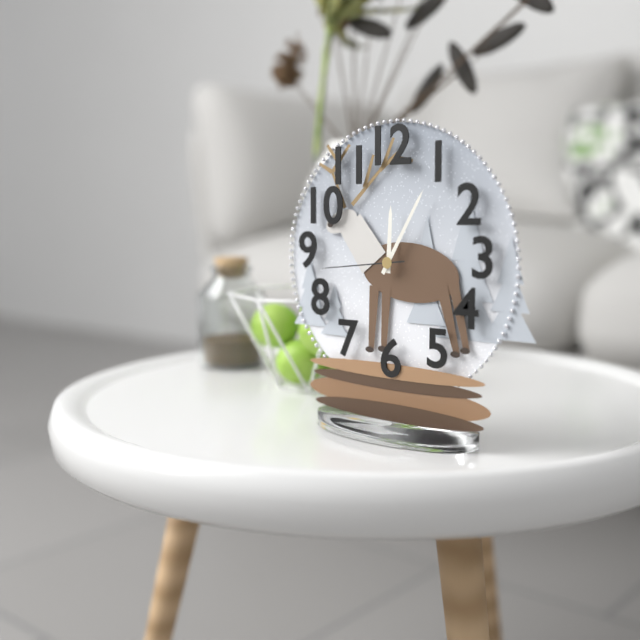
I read 12.05.44
